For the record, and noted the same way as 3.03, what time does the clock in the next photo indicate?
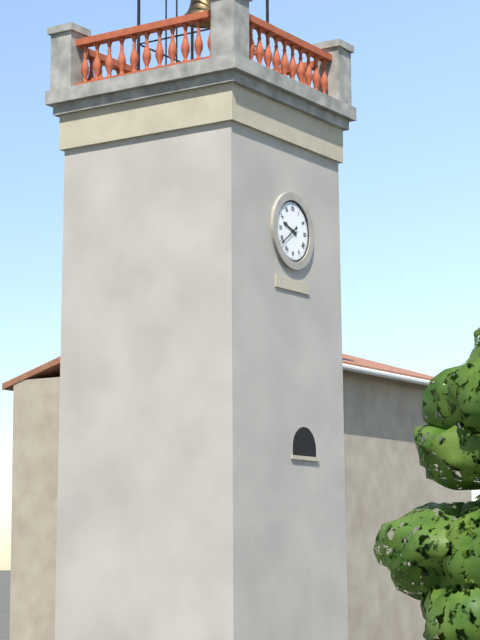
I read 9.39
